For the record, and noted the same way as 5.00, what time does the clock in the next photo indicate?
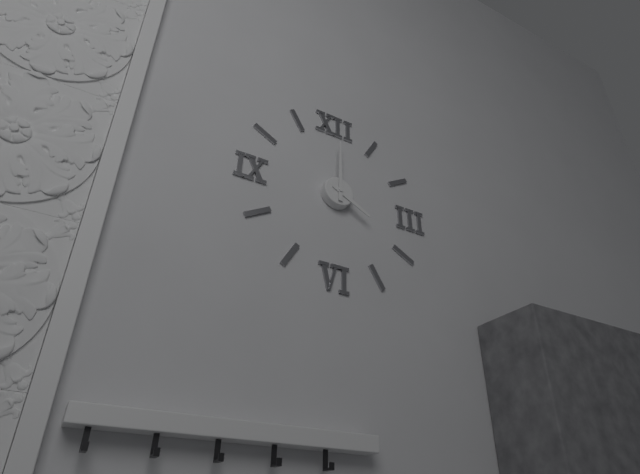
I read 4.00
